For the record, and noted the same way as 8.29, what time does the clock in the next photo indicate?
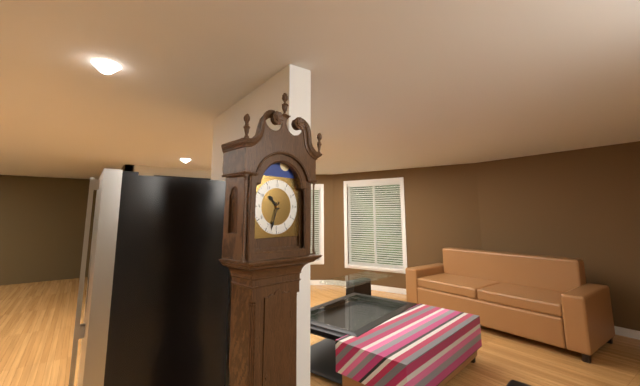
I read 10.33
